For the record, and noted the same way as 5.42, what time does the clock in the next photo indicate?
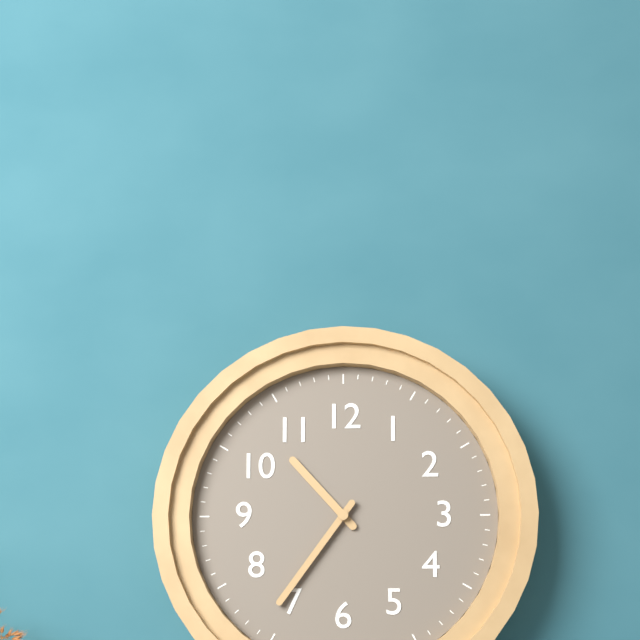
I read 10.36
